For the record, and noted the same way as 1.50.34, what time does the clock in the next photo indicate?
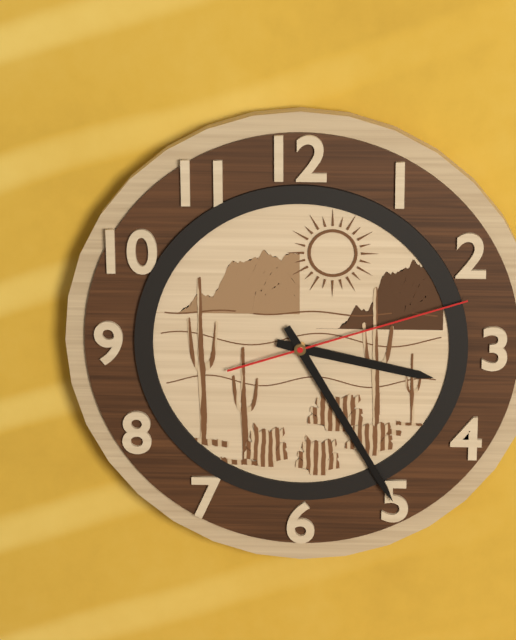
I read 3.25.12
